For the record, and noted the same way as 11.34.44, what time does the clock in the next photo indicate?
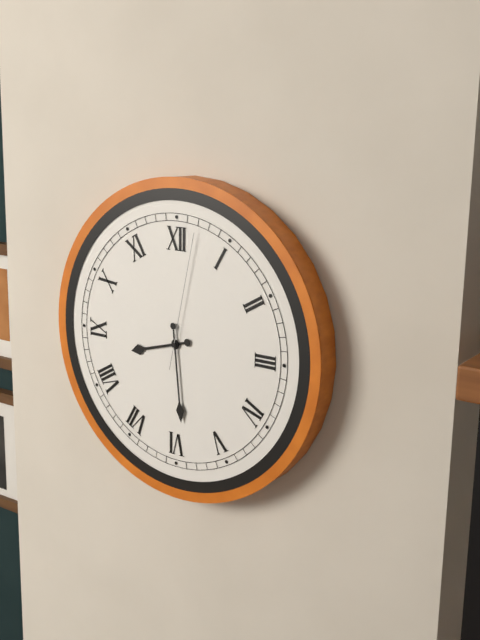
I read 8.29.02
